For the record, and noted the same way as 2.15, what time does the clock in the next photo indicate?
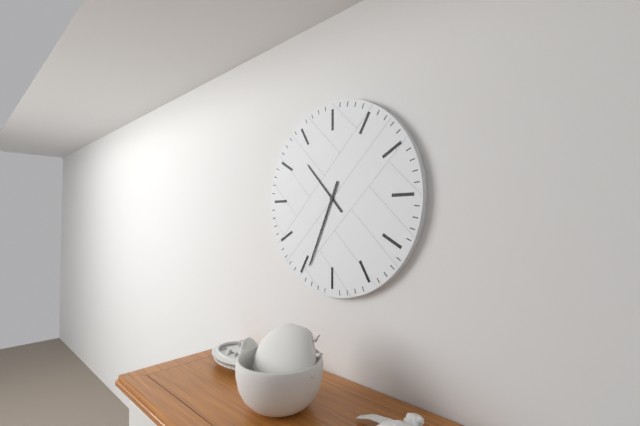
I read 10.34
